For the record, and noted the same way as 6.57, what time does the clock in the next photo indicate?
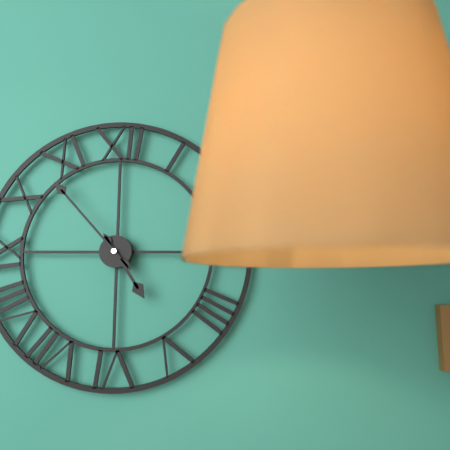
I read 4.53
